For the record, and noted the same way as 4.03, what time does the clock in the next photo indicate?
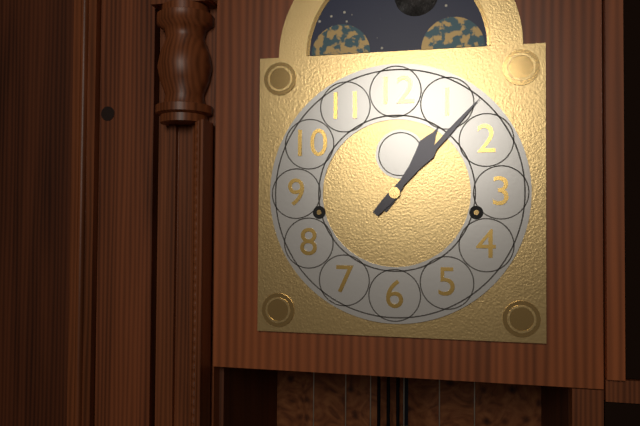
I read 1.07
